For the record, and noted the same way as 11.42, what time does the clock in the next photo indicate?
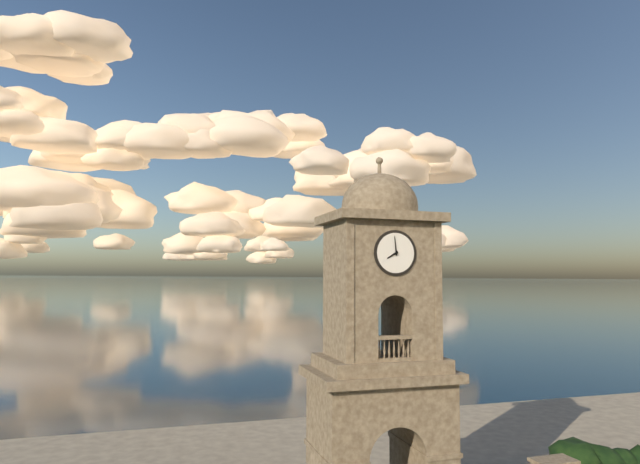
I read 7.59
